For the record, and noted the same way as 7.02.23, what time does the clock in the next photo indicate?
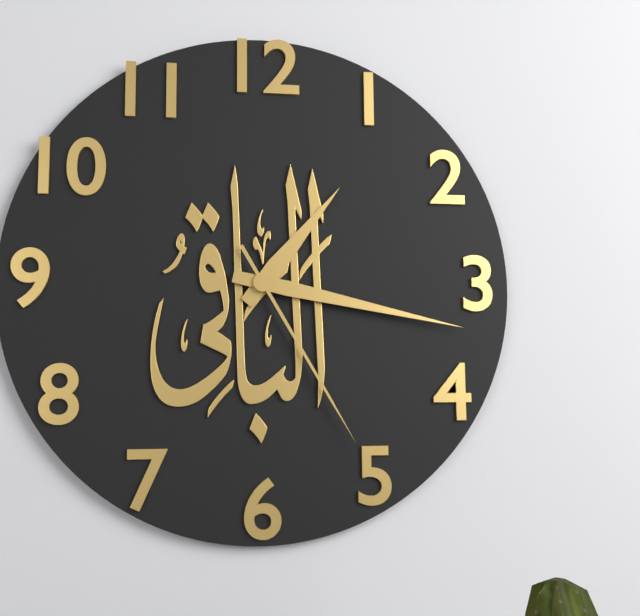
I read 1.17.25
